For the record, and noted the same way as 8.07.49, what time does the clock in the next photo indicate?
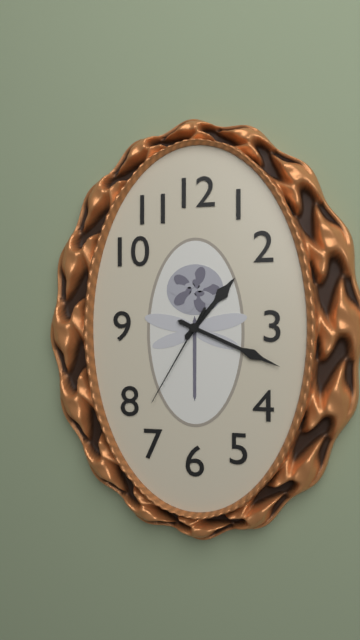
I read 1.19.35
